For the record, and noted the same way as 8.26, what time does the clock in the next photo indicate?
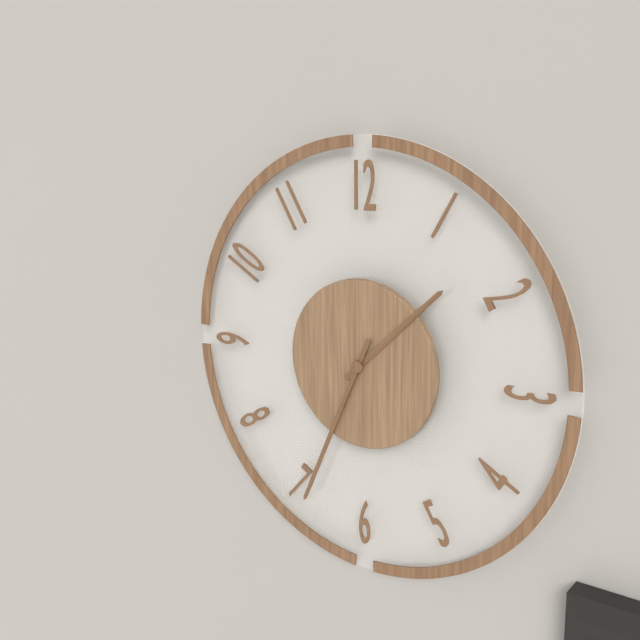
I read 1.34
